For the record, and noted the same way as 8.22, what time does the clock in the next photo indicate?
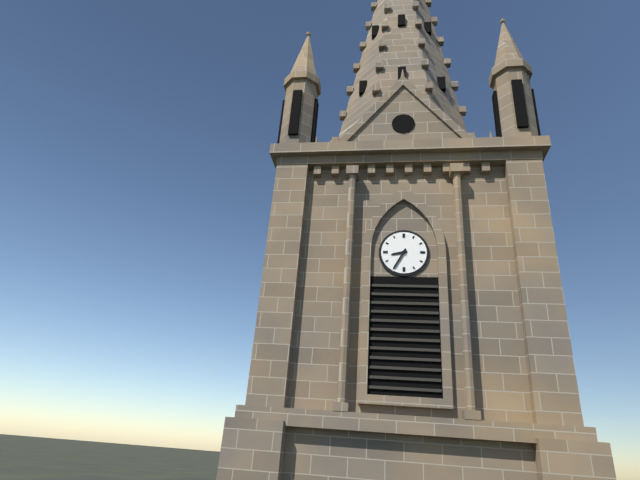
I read 8.35
